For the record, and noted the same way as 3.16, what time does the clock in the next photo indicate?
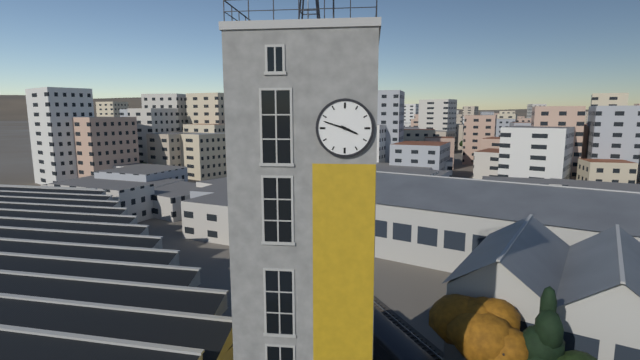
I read 3.48
